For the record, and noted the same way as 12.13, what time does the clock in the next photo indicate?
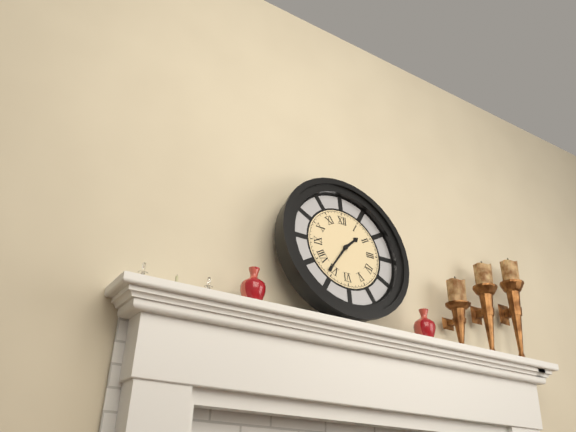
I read 1.36
